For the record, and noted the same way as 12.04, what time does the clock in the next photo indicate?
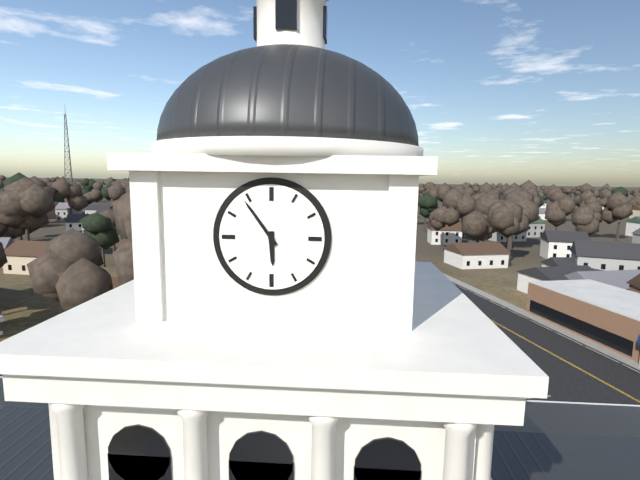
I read 5.54
